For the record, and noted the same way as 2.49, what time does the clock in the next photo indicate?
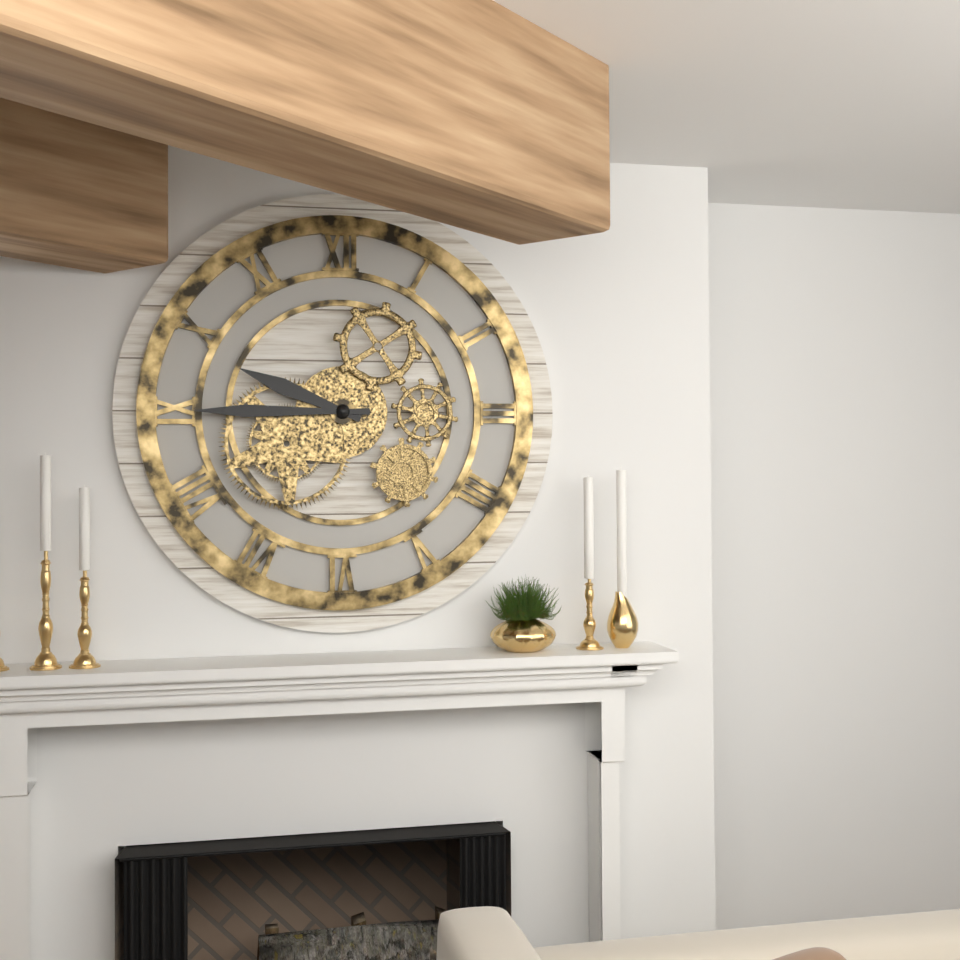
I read 9.45
